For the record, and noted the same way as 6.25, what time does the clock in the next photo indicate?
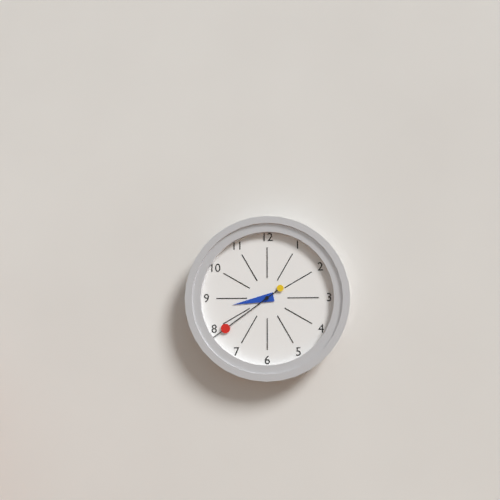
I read 8.39
